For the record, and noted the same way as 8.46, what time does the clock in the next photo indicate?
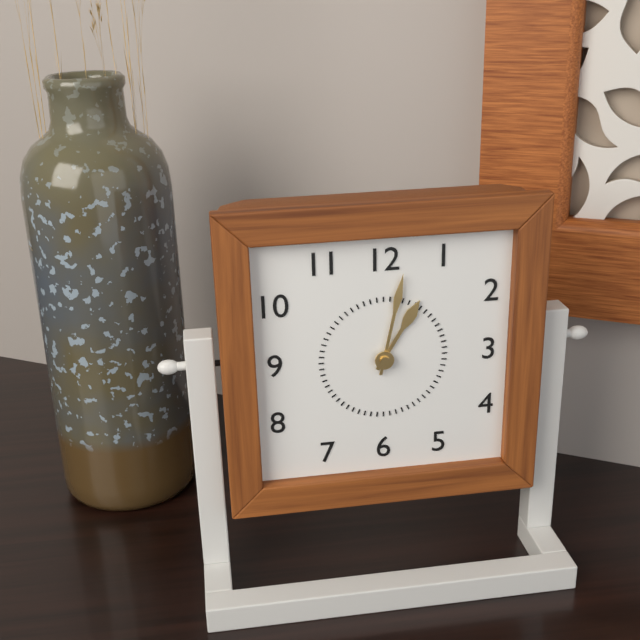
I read 1.02
